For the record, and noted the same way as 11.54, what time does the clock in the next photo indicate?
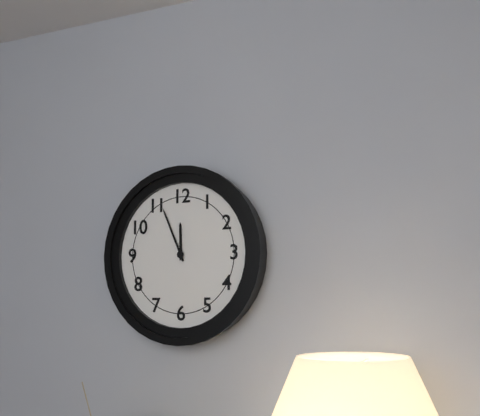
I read 11.56
